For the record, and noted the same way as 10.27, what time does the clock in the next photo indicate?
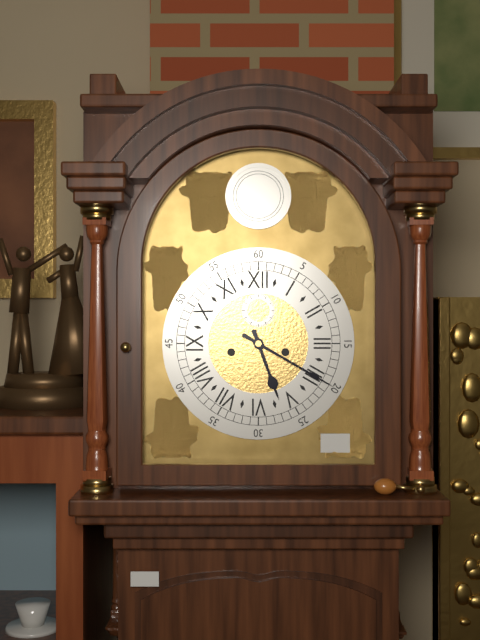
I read 5.20
